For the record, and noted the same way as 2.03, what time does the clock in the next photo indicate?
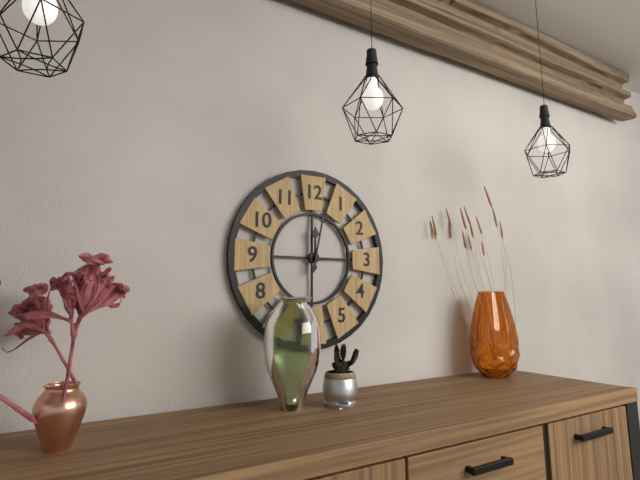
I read 12.02
